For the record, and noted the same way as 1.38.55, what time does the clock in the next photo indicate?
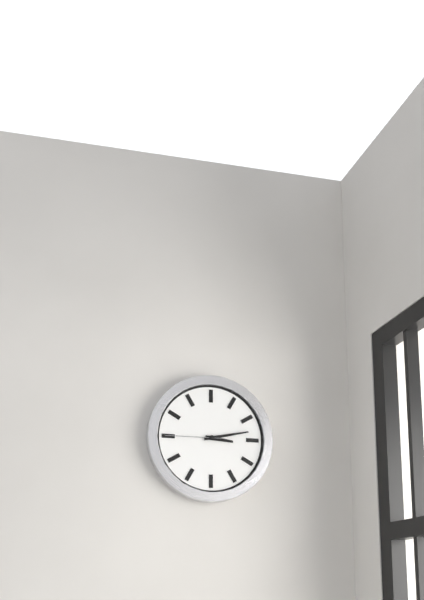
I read 3.13.45
